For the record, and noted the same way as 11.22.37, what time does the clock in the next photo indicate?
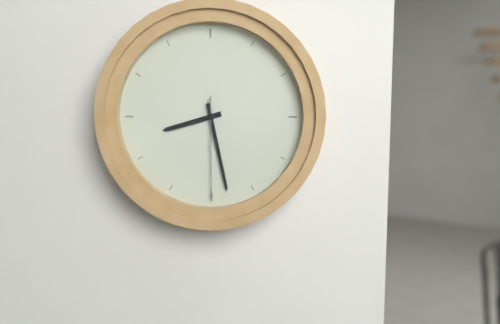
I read 8.28.30
